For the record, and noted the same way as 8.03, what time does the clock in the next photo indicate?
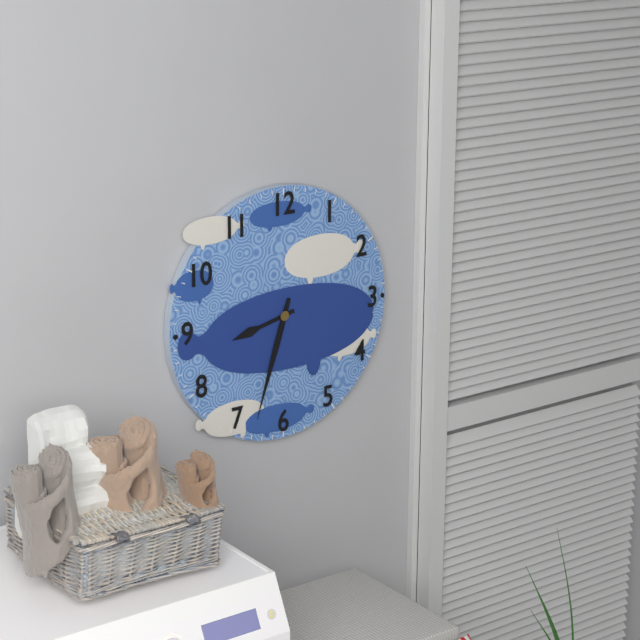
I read 8.33
